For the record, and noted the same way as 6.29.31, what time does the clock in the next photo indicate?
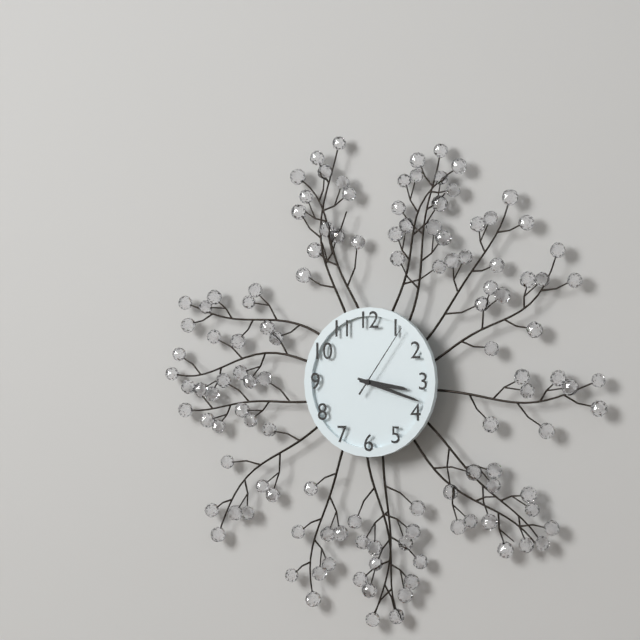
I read 3.18.06
